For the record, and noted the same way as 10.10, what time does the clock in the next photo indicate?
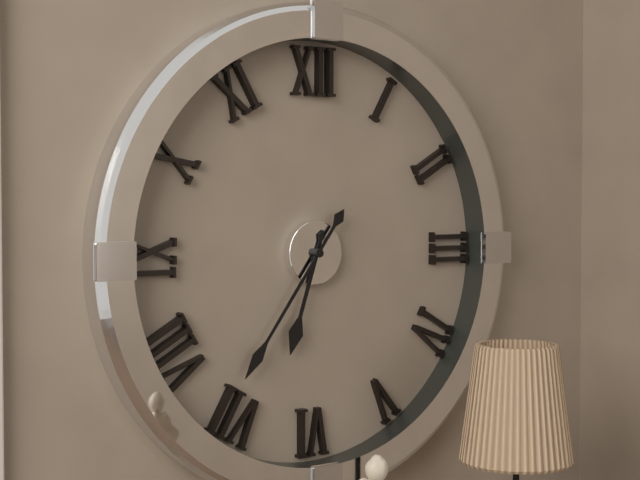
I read 6.36
